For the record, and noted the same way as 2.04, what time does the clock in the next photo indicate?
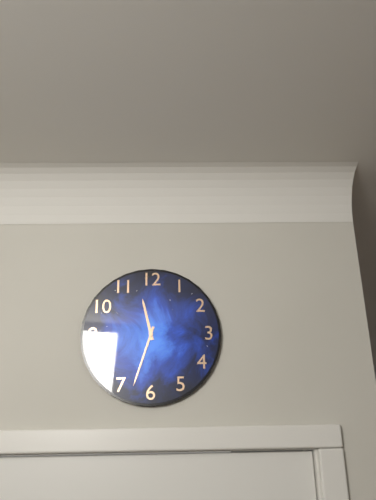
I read 11.33
